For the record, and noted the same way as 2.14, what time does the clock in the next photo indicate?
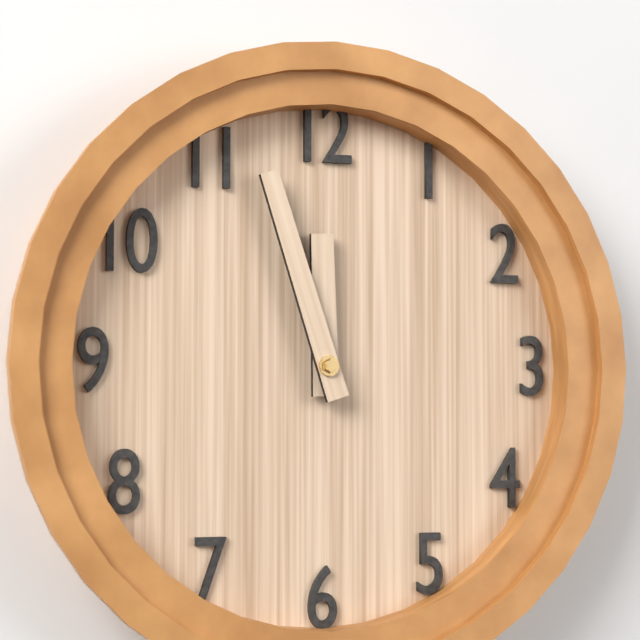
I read 11.57
